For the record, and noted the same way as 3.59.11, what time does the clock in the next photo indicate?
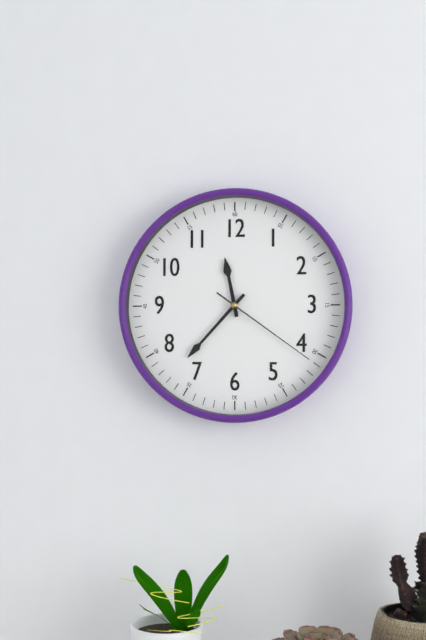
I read 11.37.21
